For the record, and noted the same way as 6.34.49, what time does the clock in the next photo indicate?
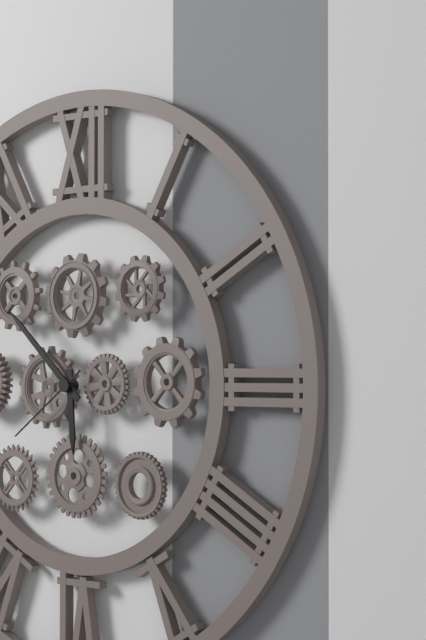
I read 5.52.39
